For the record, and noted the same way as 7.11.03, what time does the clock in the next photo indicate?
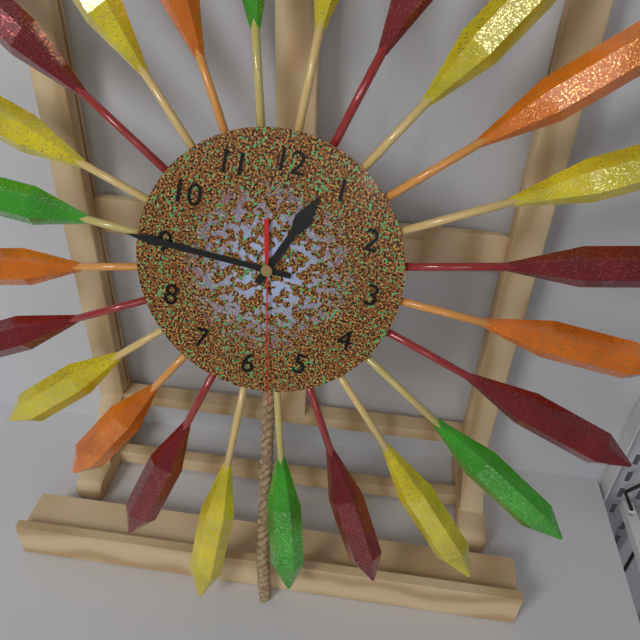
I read 12.45.28
